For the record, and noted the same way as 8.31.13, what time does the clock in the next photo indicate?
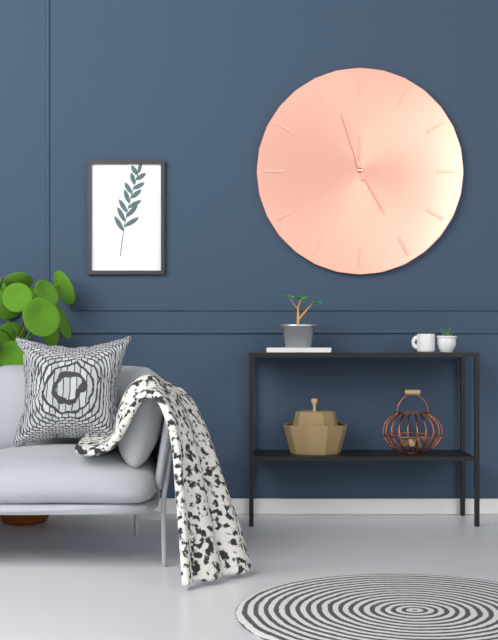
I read 11.57.25
